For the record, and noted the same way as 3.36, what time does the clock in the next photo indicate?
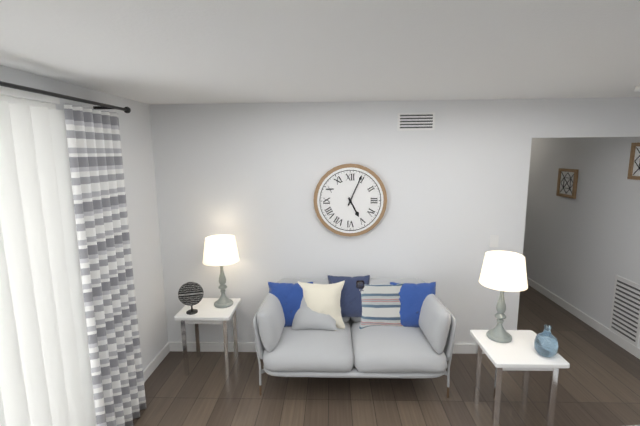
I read 5.04
